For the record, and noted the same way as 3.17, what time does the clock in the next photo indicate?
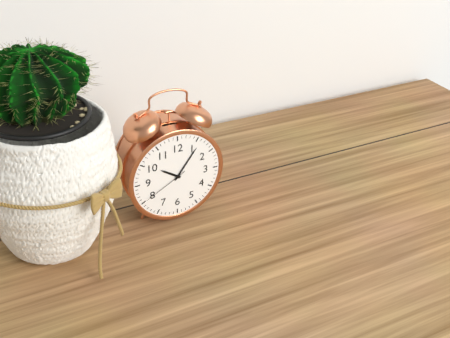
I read 10.06
